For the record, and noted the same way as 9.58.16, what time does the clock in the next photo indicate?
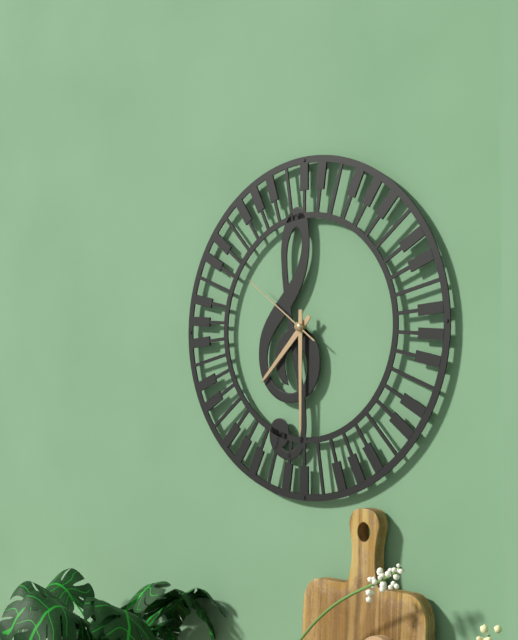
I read 7.30.51
